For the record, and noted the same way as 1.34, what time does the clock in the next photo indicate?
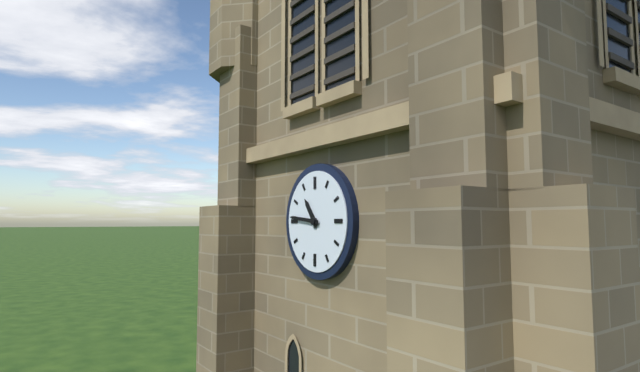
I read 10.46
